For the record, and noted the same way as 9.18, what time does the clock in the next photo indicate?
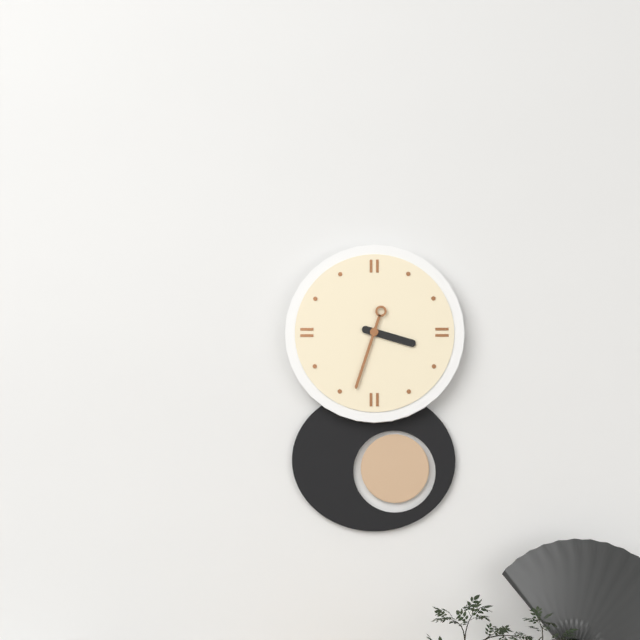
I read 3.33
